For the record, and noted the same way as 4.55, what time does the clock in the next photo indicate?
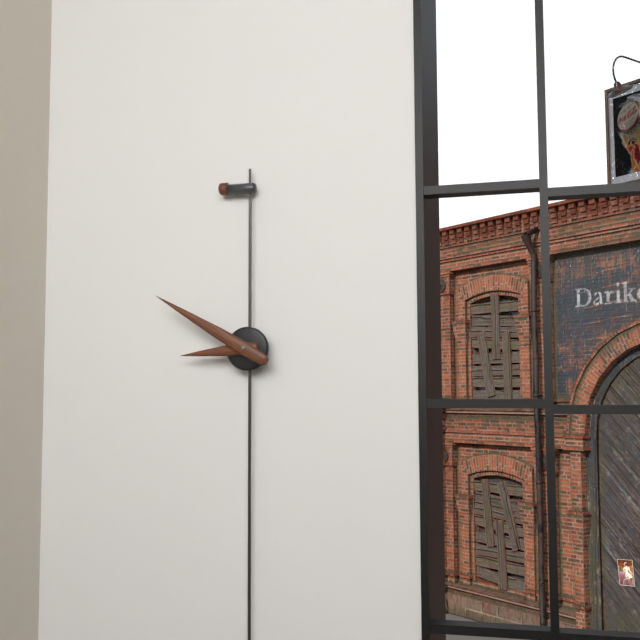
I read 8.50
